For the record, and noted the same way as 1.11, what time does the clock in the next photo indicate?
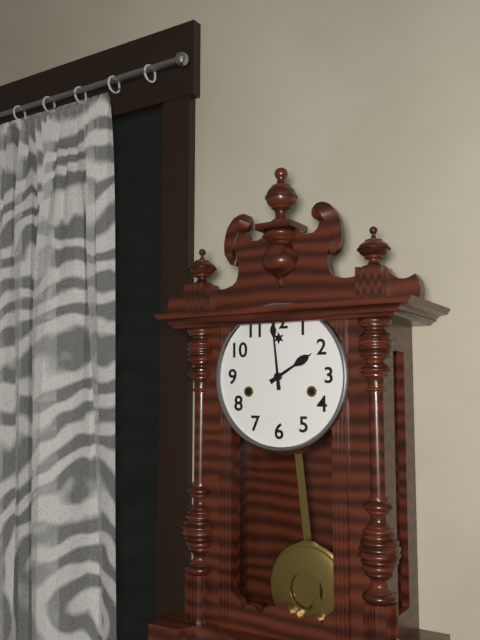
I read 1.59
